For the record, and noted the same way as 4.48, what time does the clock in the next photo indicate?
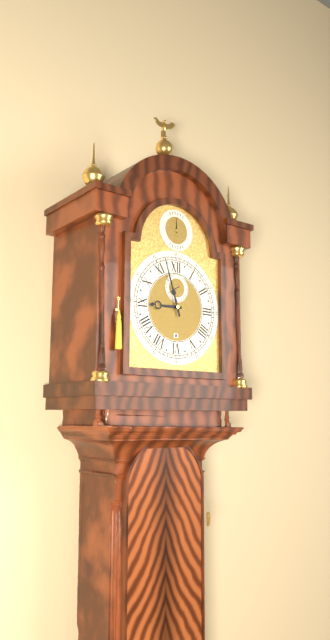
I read 8.57
